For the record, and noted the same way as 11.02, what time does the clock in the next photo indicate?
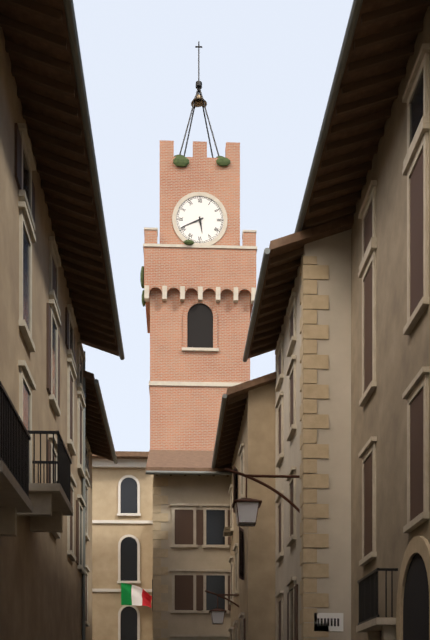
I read 5.41
